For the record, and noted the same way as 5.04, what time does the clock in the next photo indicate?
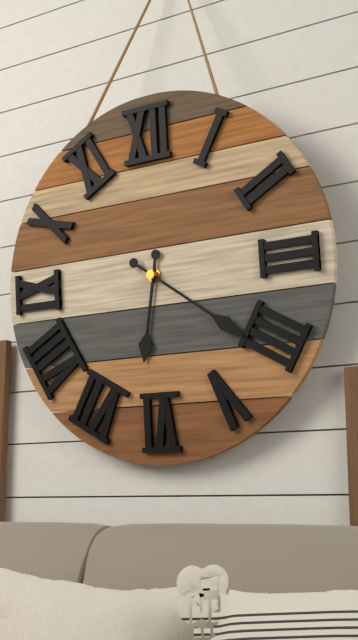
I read 6.21
